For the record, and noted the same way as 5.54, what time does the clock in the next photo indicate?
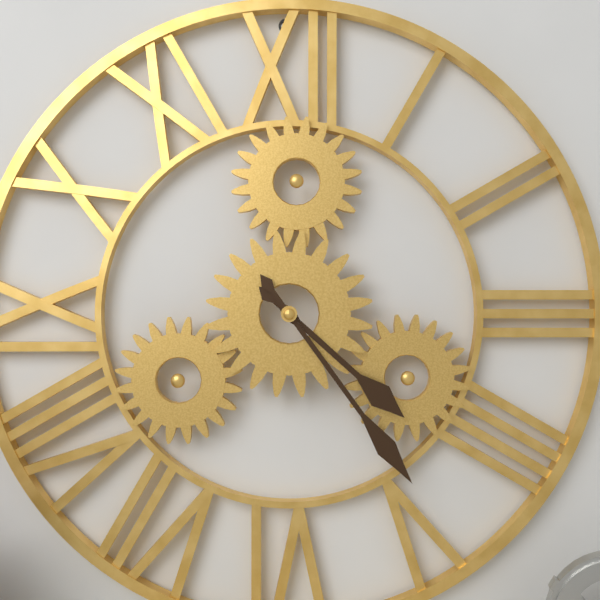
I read 4.24
